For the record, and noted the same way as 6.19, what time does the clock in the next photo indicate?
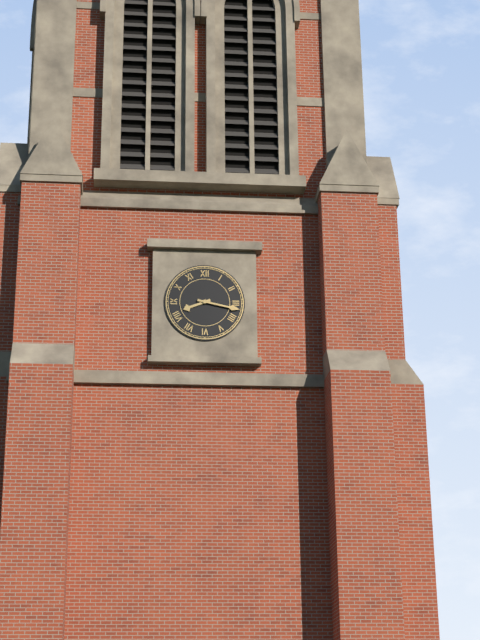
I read 8.17
